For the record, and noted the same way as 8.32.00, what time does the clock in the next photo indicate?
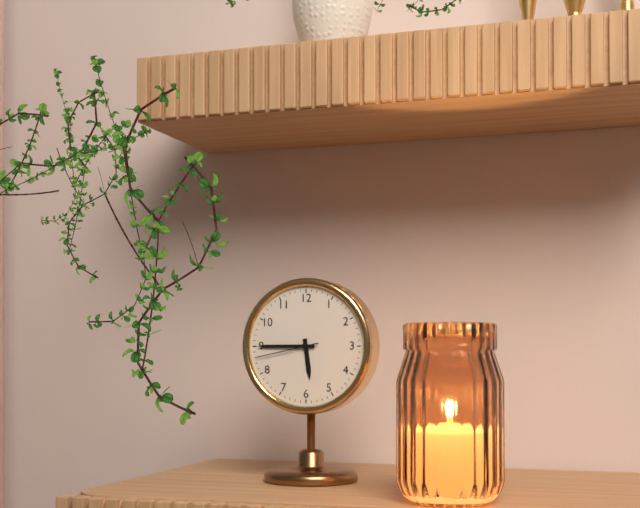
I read 5.45.43
